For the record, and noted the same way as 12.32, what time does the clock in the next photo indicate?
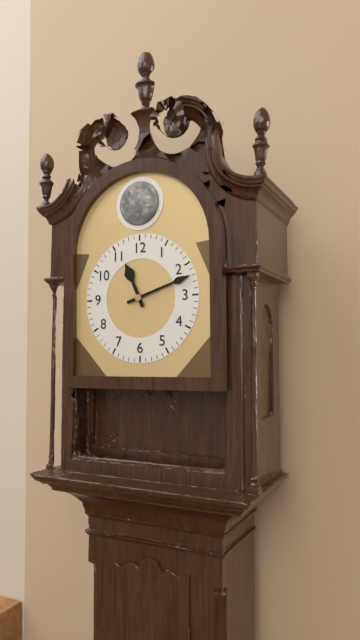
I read 11.12
